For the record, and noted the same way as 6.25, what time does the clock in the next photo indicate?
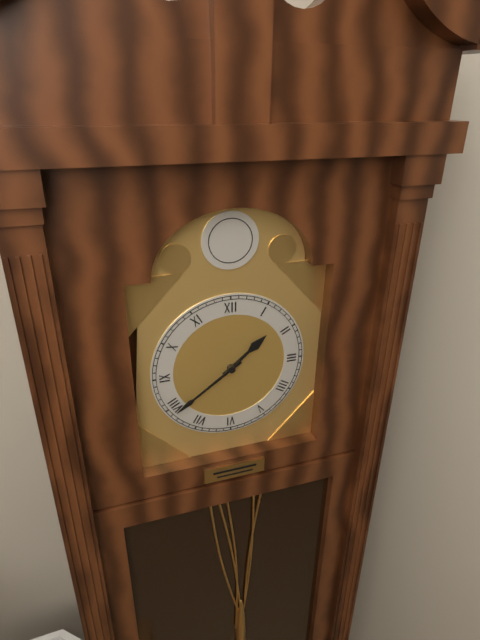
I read 1.39
